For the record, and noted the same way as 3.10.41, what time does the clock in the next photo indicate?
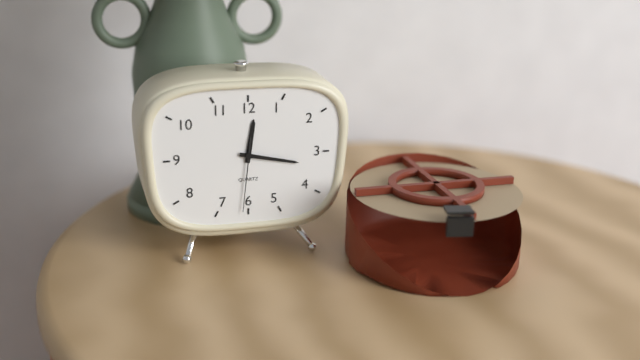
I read 12.17.31
